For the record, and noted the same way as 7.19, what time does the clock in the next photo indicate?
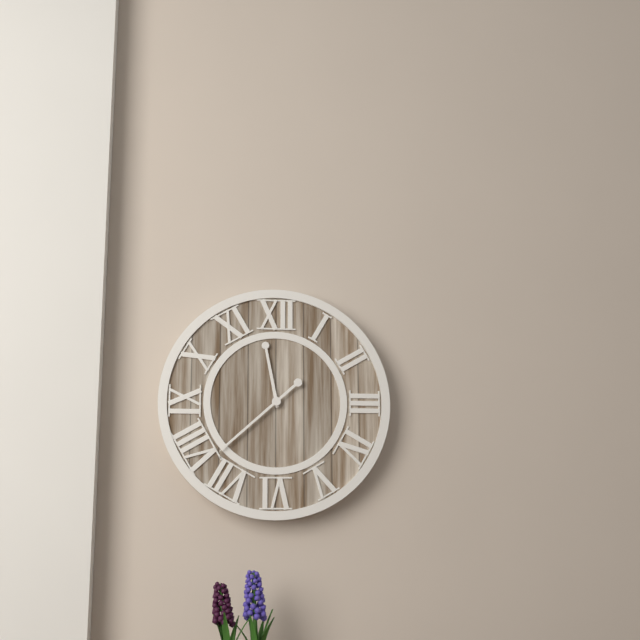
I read 11.38
